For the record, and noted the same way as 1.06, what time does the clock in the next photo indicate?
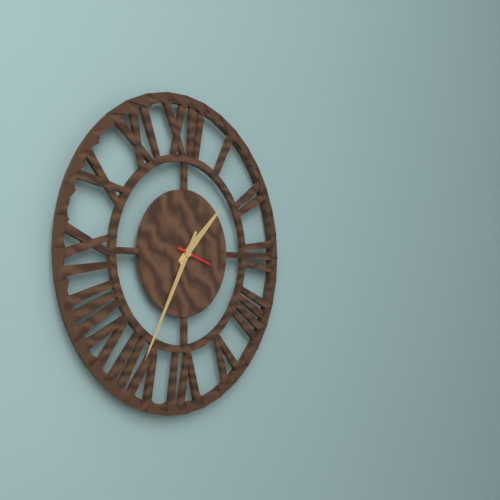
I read 1.35
